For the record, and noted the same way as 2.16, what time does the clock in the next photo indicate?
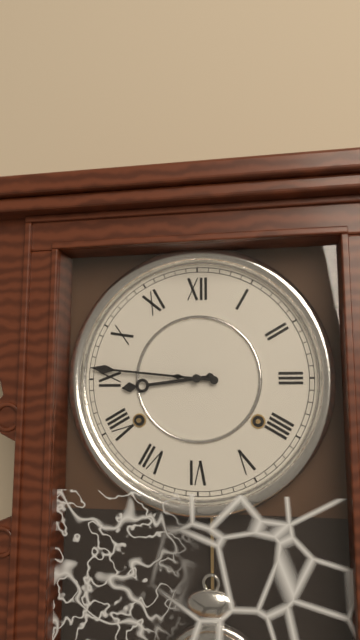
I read 8.46
